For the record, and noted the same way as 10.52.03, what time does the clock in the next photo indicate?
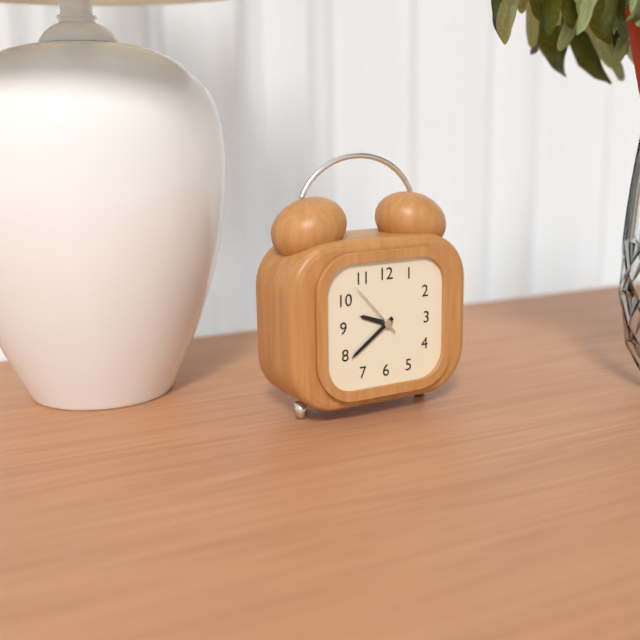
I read 9.39.53
